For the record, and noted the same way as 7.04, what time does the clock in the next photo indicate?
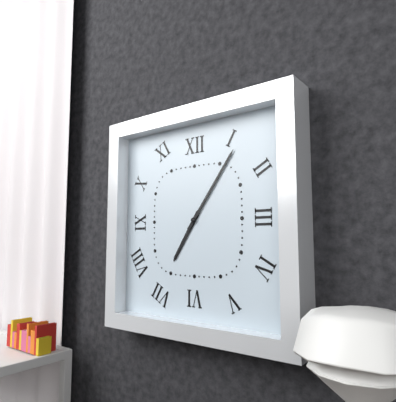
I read 7.06
